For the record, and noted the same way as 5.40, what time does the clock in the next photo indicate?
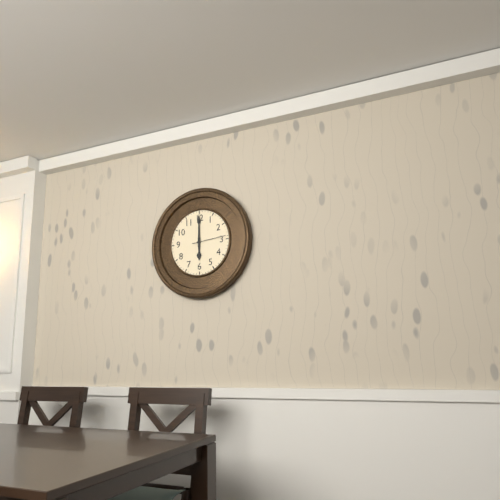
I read 6.00
